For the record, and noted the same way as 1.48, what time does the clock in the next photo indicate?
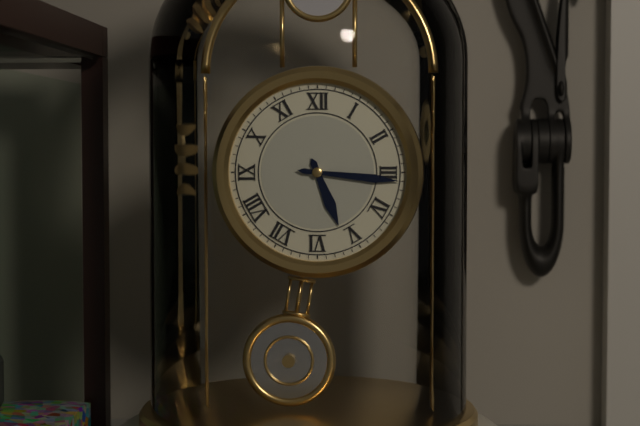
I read 5.16
